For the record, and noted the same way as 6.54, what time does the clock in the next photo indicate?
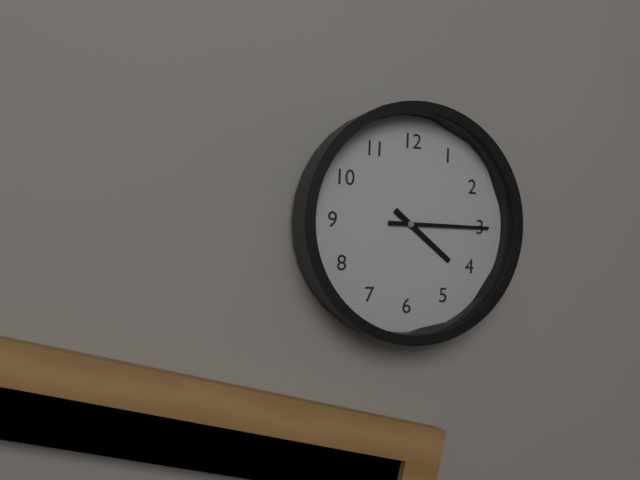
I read 4.15
